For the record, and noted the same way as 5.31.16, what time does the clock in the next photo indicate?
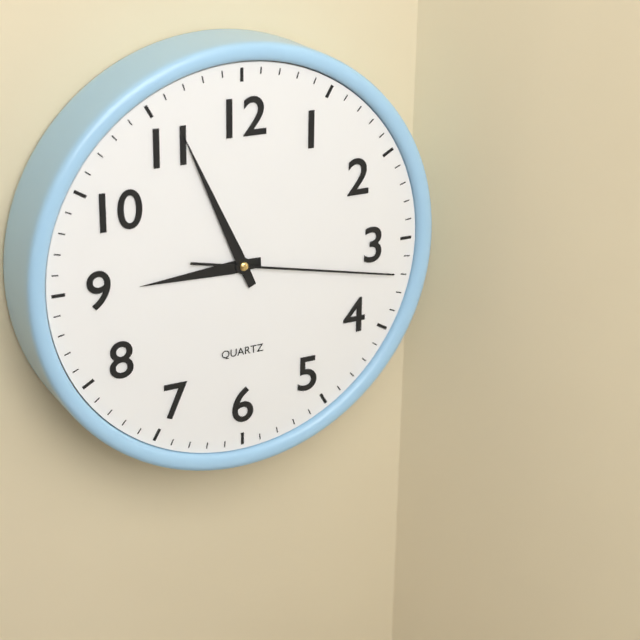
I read 8.56.17
